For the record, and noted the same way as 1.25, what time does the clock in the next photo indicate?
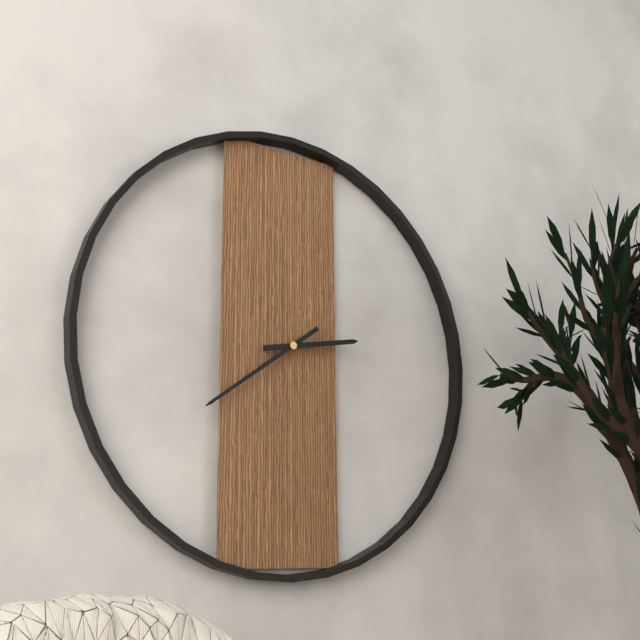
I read 2.39
